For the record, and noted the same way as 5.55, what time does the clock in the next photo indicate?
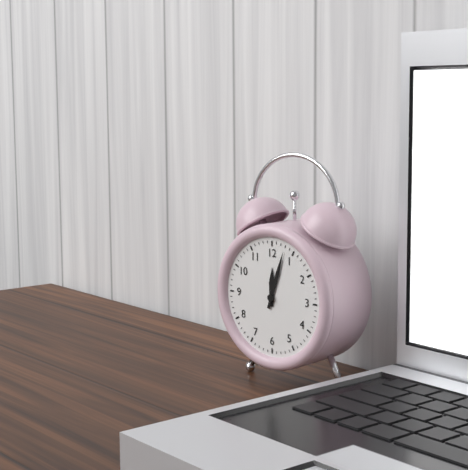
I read 12.03
